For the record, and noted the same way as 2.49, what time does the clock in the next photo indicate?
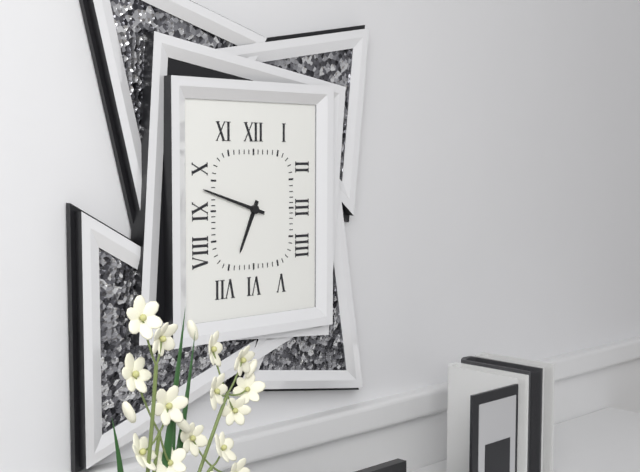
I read 6.48
